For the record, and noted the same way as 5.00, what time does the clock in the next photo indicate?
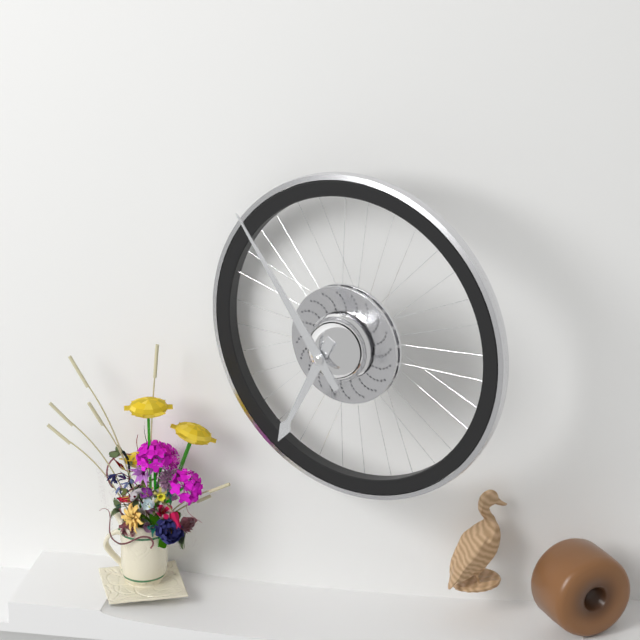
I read 6.54
